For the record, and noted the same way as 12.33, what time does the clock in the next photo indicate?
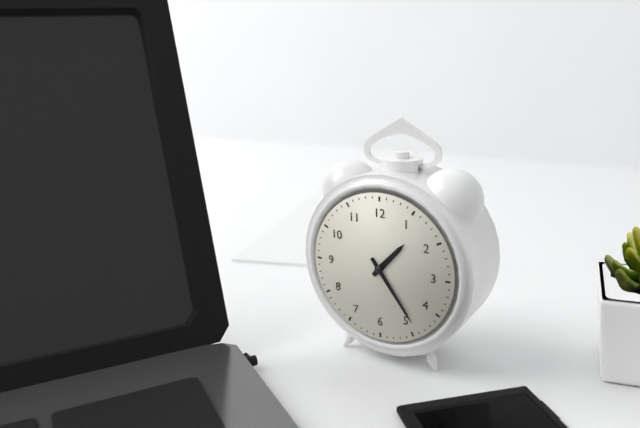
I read 1.24
